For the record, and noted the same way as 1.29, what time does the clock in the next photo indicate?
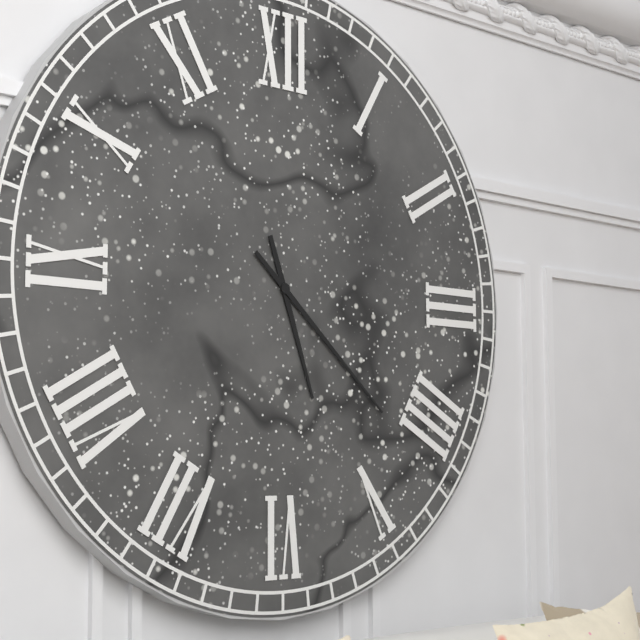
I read 5.22
